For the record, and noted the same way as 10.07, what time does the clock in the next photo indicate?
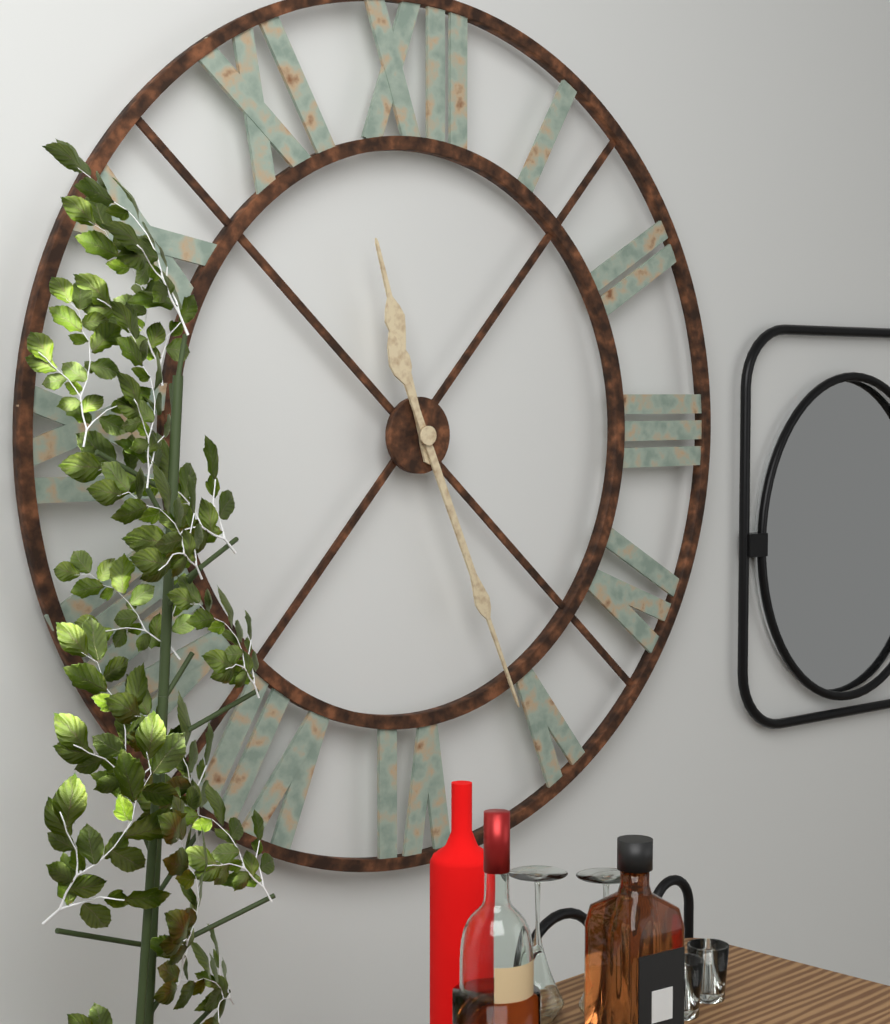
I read 11.26
